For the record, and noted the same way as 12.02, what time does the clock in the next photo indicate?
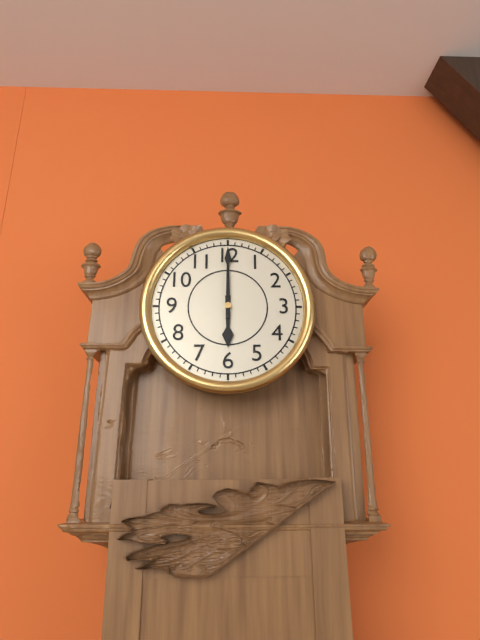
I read 6.00
